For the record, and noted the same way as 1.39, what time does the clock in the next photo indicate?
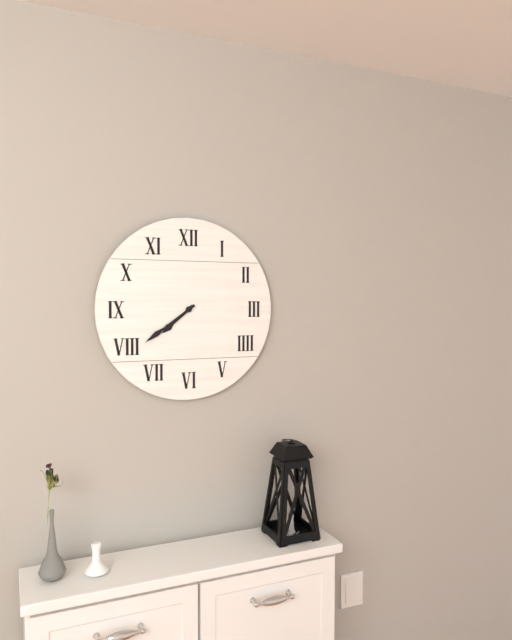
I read 7.39
